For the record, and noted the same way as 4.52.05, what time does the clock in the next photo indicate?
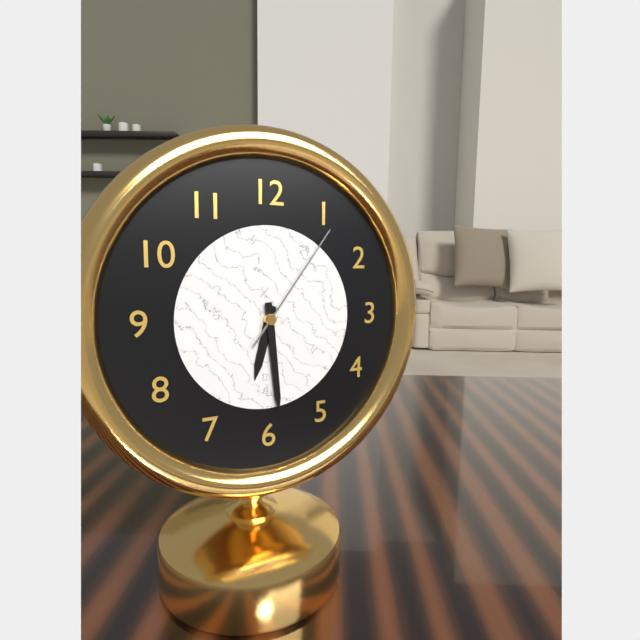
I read 6.29.06
